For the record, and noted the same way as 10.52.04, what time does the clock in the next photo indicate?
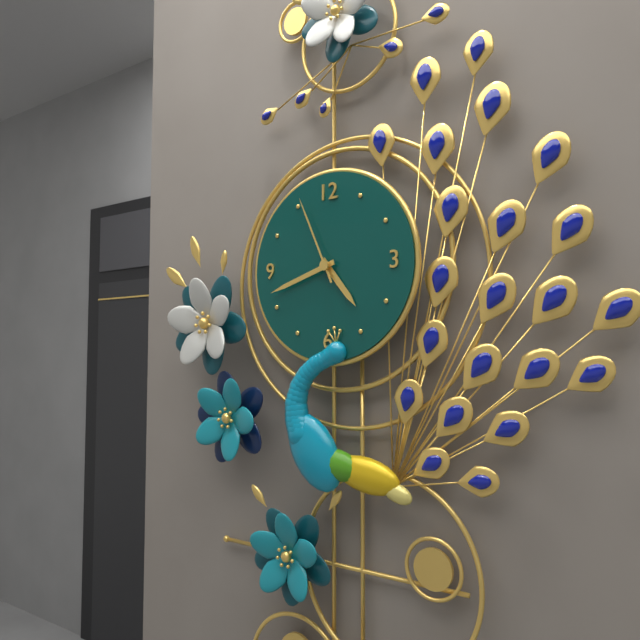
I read 4.42.56
